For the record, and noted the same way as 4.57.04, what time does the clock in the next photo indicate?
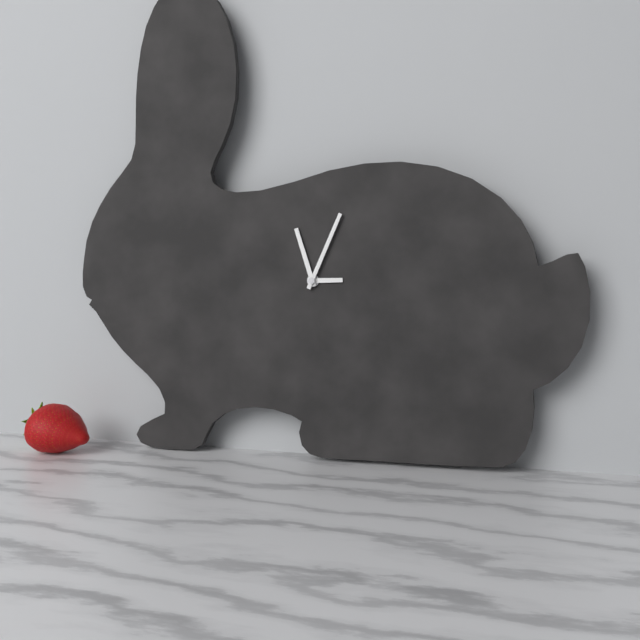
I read 2.57.04
